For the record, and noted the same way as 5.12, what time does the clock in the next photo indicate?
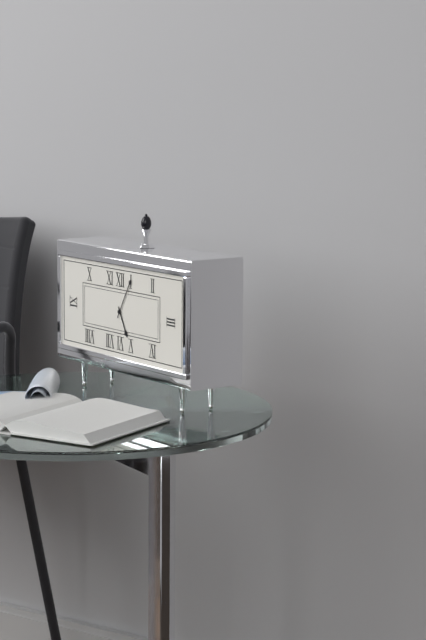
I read 5.05
